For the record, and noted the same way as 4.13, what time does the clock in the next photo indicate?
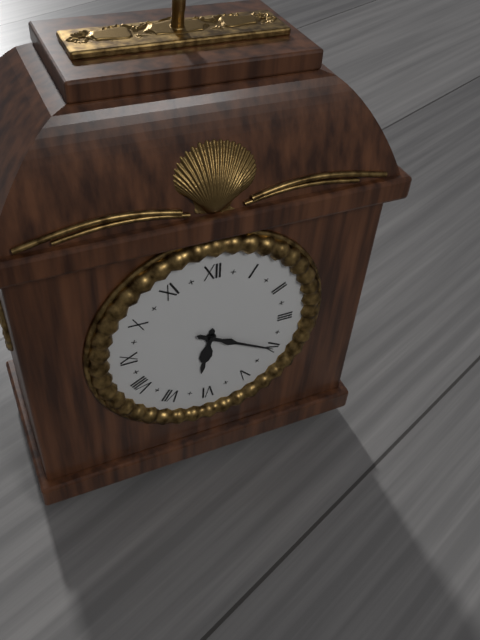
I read 6.20
